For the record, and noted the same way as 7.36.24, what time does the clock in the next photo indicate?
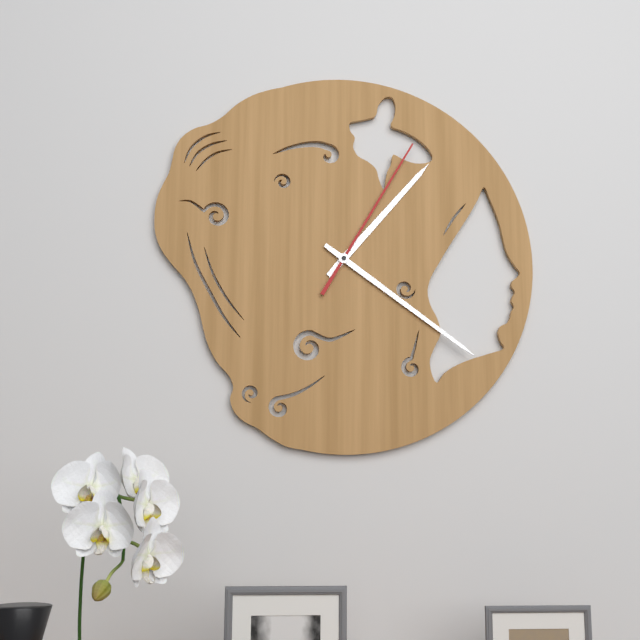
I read 1.21.05
